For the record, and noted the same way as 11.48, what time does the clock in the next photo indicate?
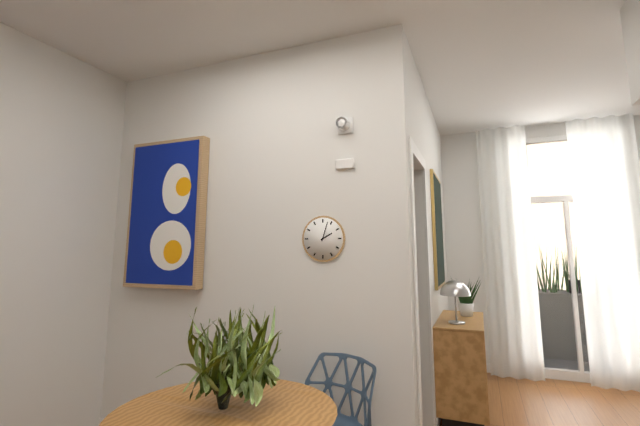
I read 2.03
